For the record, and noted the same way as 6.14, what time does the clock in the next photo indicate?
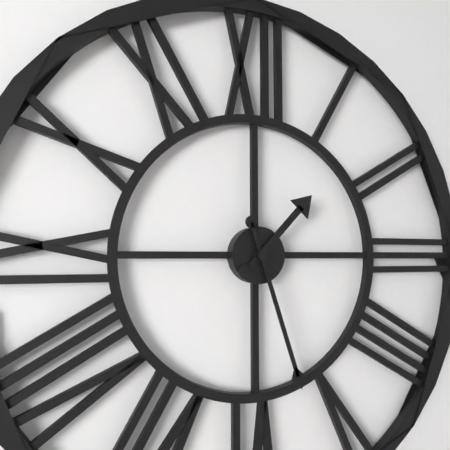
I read 1.27
